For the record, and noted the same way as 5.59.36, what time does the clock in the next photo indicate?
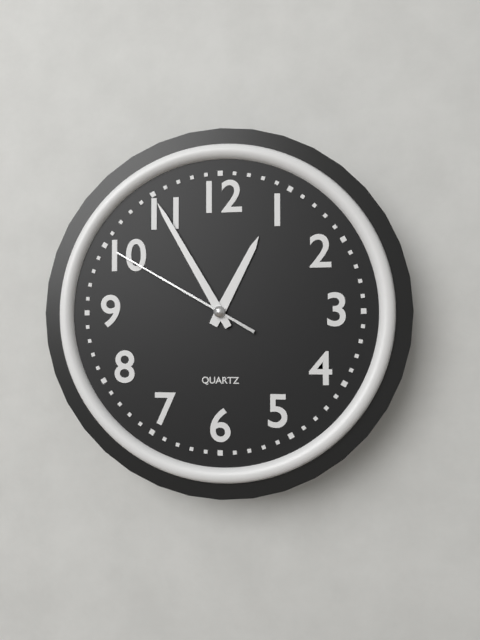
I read 12.55.50
